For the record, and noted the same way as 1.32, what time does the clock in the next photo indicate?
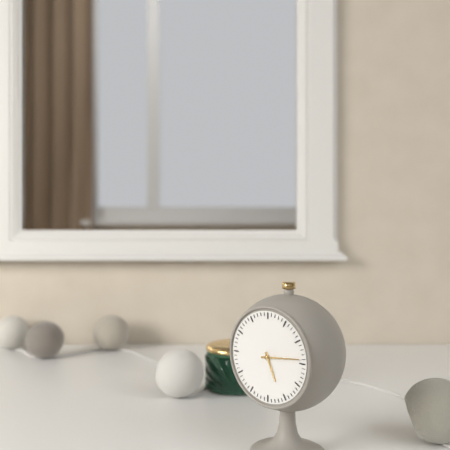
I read 5.14
